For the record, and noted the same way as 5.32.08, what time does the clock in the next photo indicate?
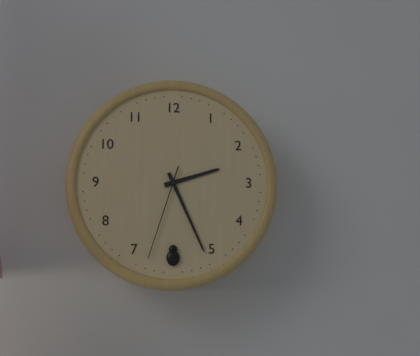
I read 2.26.33
